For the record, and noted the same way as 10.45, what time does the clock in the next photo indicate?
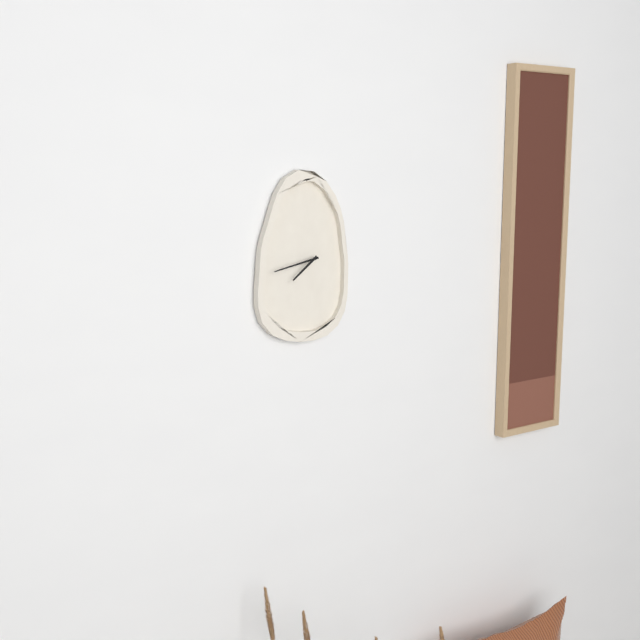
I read 7.43
